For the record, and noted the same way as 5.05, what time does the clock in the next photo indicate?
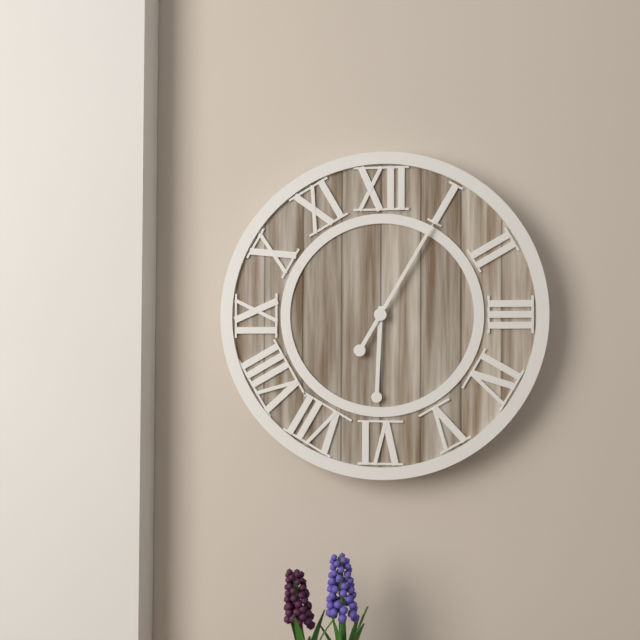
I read 6.05
